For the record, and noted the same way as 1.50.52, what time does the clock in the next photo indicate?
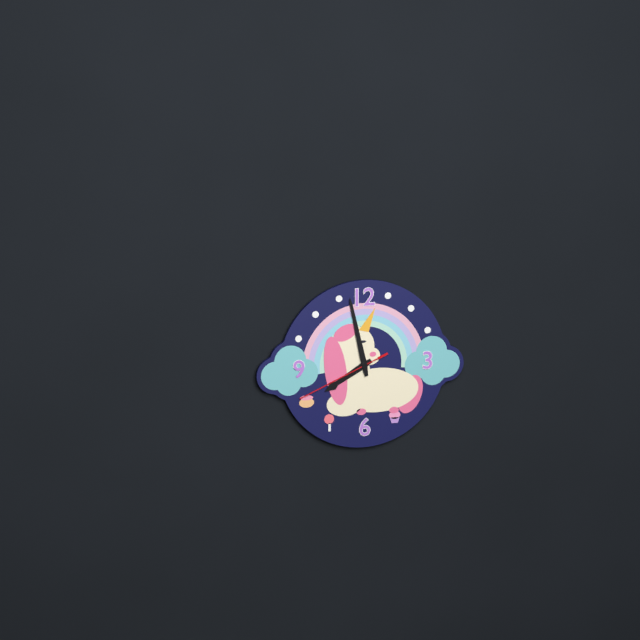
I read 7.58.41
